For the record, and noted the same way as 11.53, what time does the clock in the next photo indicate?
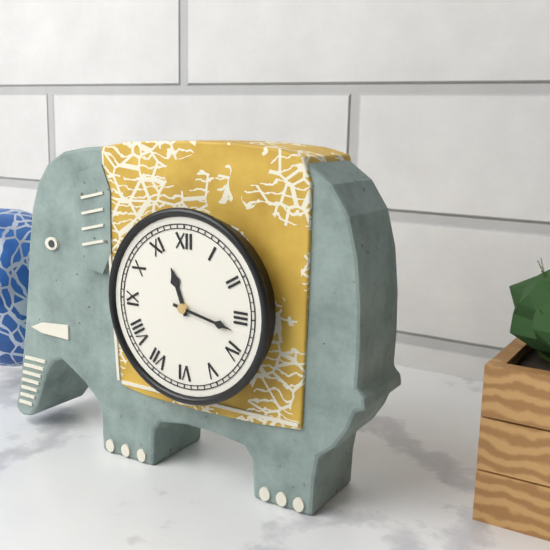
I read 11.17
